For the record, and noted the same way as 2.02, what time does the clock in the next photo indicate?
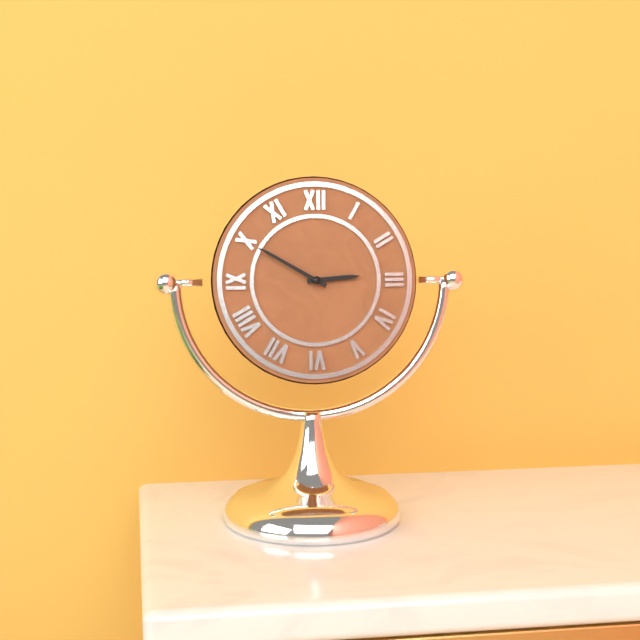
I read 2.50
